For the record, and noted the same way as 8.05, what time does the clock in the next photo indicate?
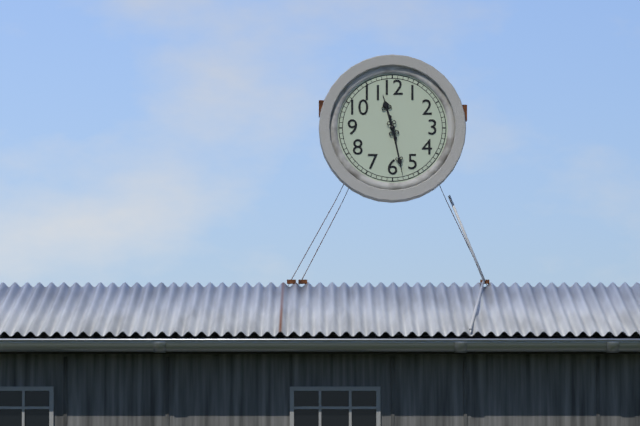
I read 11.28
